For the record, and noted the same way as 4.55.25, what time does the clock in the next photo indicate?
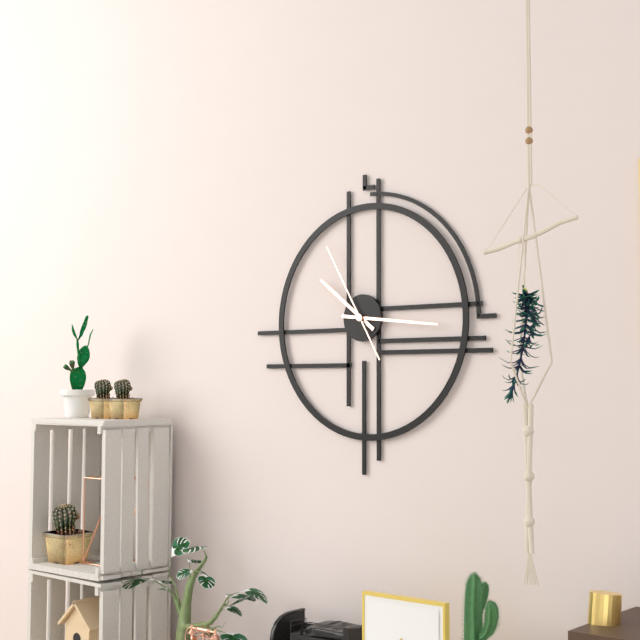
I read 10.16.55
